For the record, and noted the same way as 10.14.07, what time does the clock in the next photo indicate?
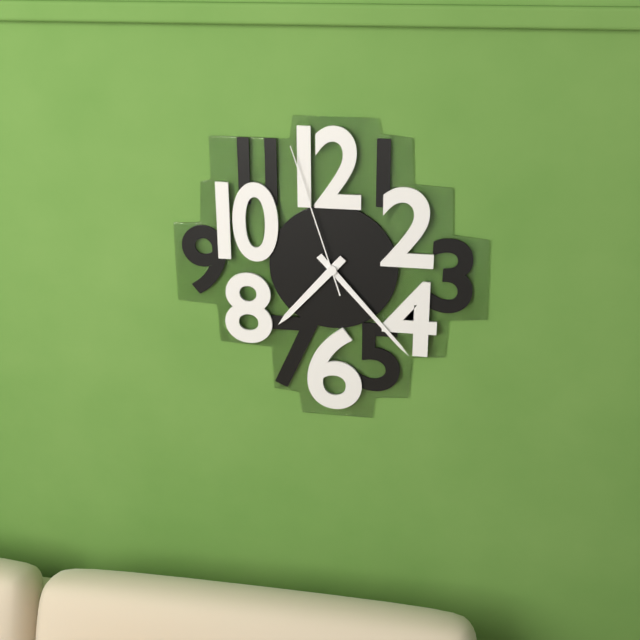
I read 7.23.57
